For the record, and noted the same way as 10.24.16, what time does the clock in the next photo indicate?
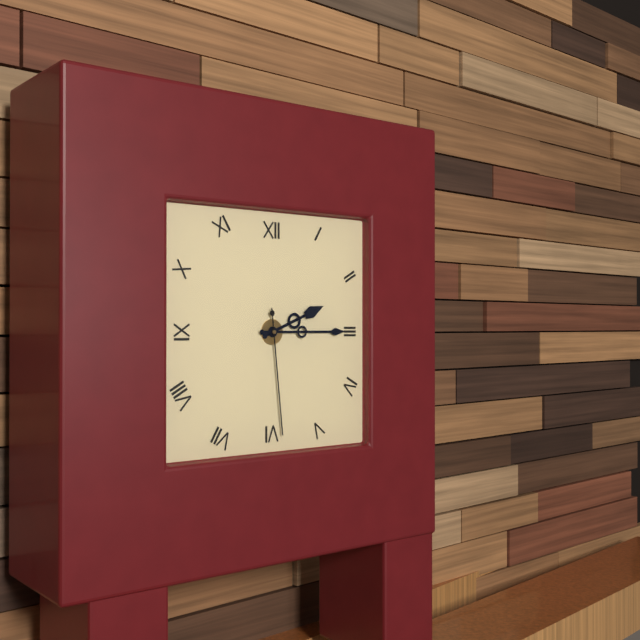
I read 2.15.29
